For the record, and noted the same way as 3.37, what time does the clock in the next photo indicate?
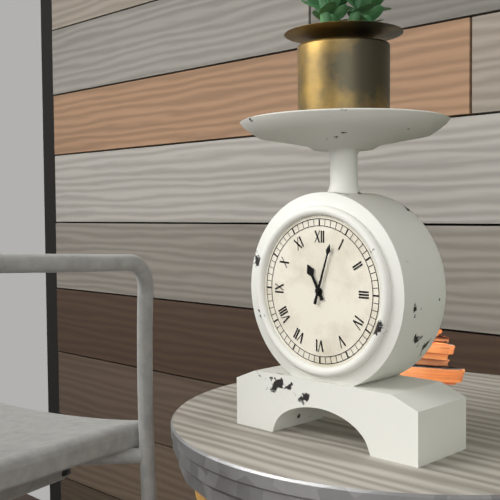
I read 11.03
